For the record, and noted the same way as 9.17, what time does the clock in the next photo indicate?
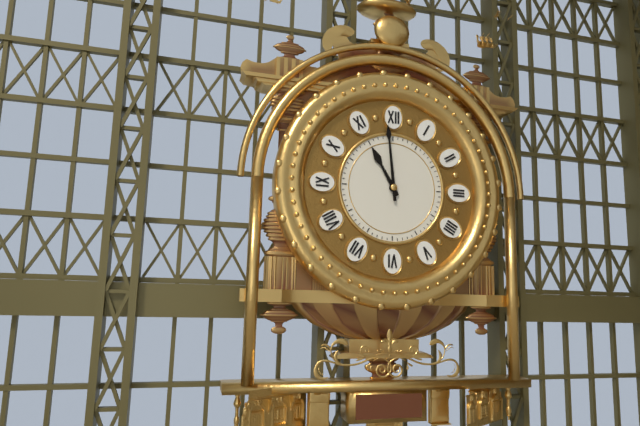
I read 10.59
